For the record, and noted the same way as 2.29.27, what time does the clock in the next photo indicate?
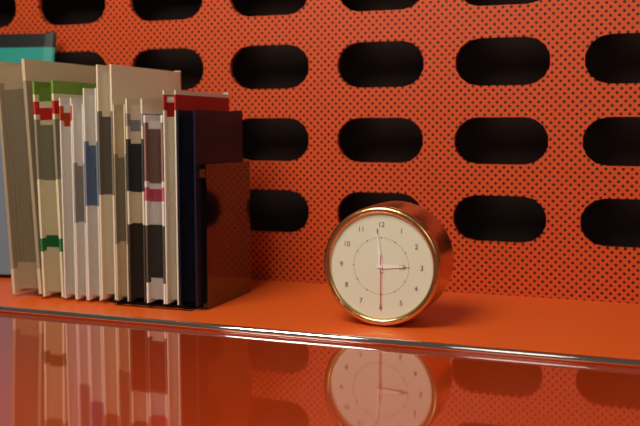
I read 2.59.30
